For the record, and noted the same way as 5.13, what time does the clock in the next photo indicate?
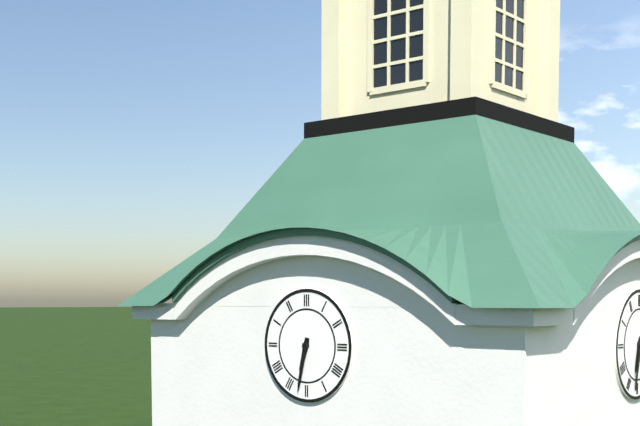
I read 6.32
